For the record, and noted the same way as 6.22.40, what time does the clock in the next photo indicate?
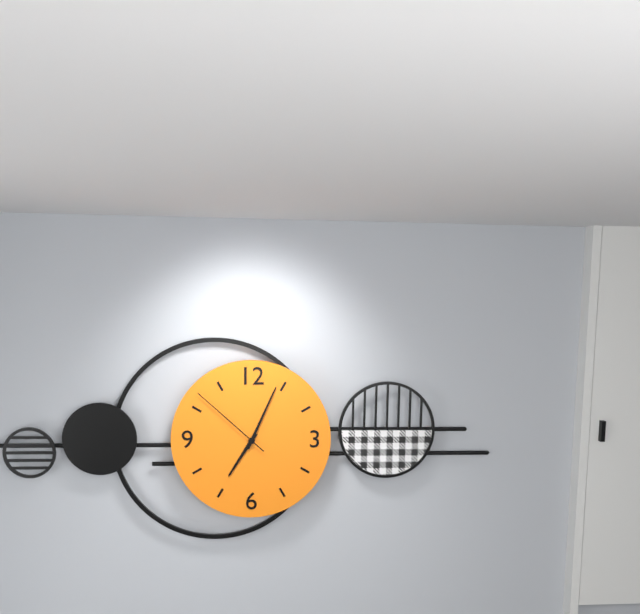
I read 7.04.52
